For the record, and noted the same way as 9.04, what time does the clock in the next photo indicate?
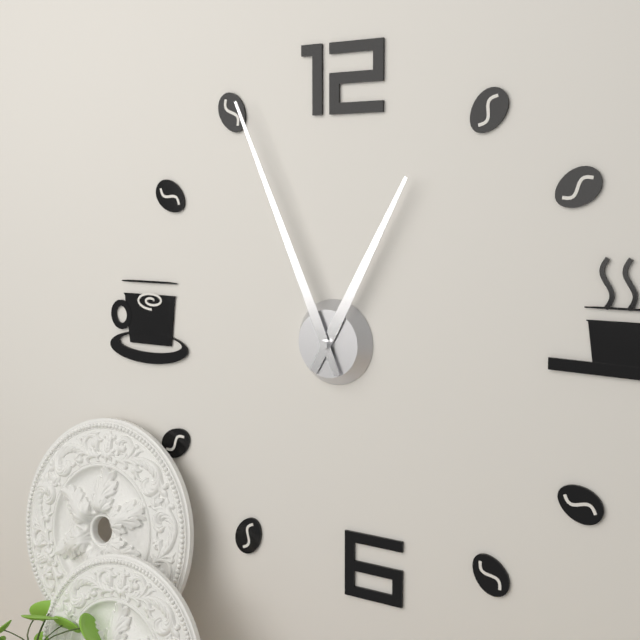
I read 12.56
